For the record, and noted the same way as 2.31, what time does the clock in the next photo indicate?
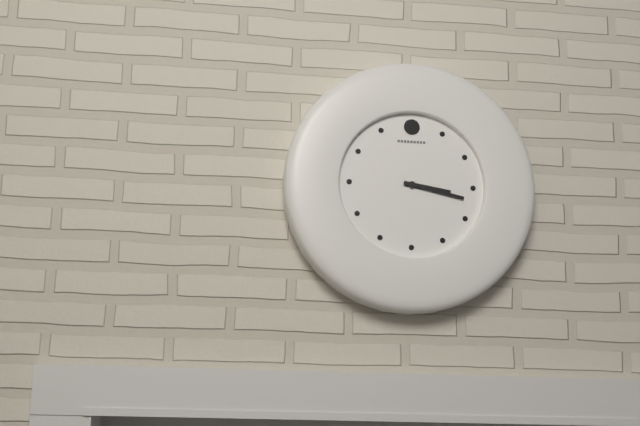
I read 3.17
